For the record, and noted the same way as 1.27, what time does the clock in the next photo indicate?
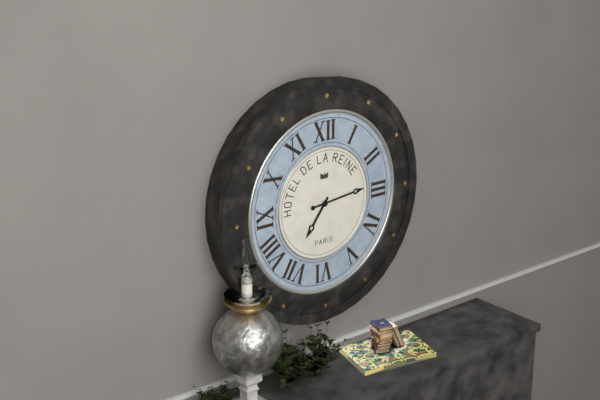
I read 7.14
